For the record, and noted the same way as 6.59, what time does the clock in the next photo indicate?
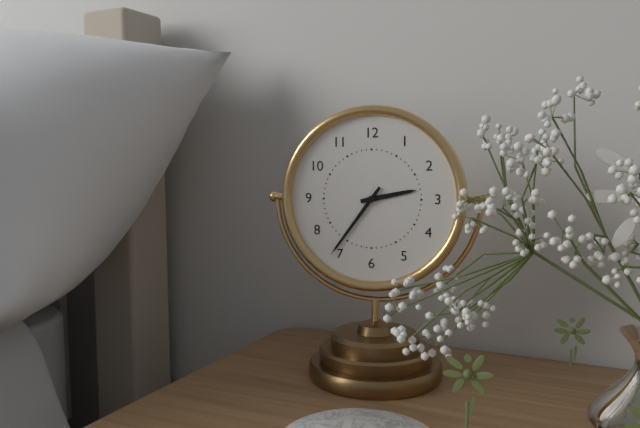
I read 2.36
